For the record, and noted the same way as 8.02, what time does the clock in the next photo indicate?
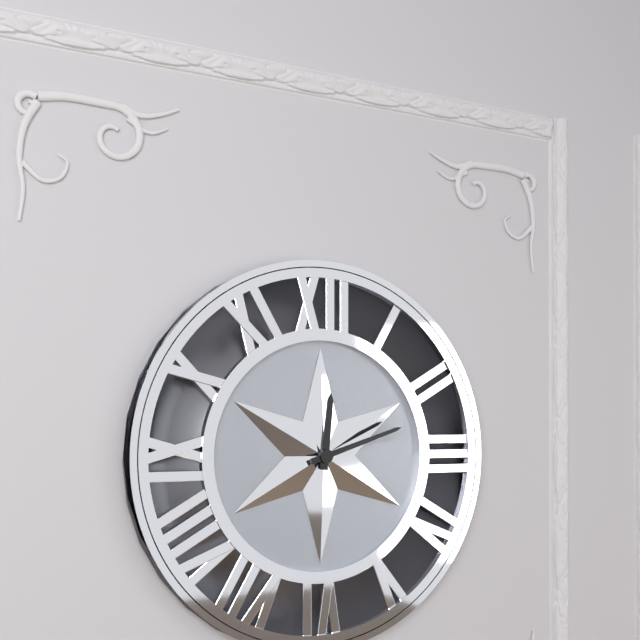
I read 12.12
